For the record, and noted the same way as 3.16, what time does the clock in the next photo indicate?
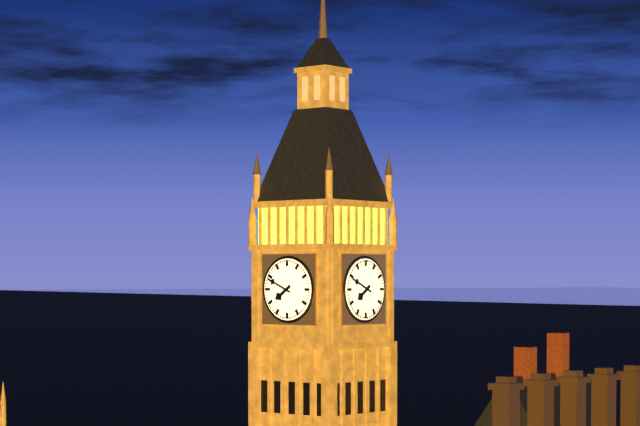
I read 7.49
